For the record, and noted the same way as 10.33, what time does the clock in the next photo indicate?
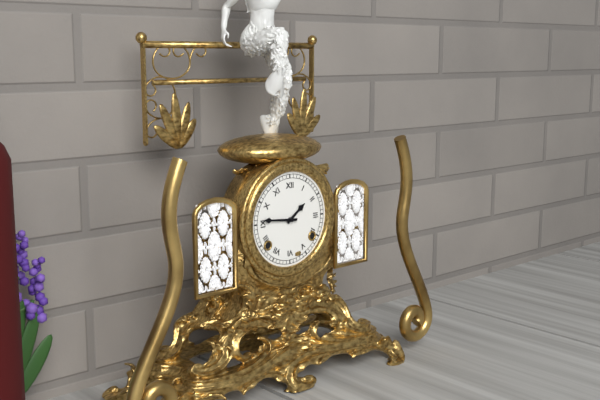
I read 1.46
